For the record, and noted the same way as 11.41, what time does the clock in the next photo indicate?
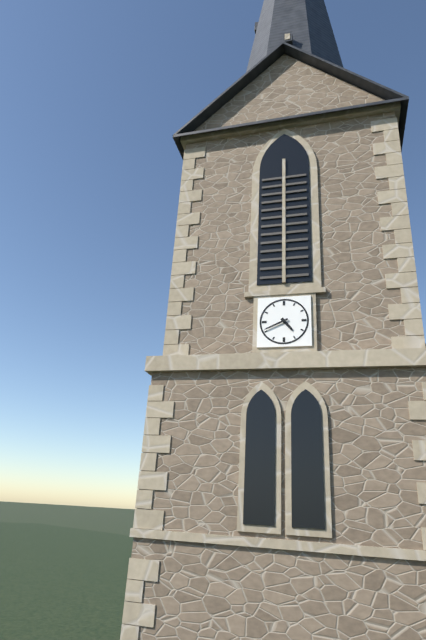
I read 4.41
